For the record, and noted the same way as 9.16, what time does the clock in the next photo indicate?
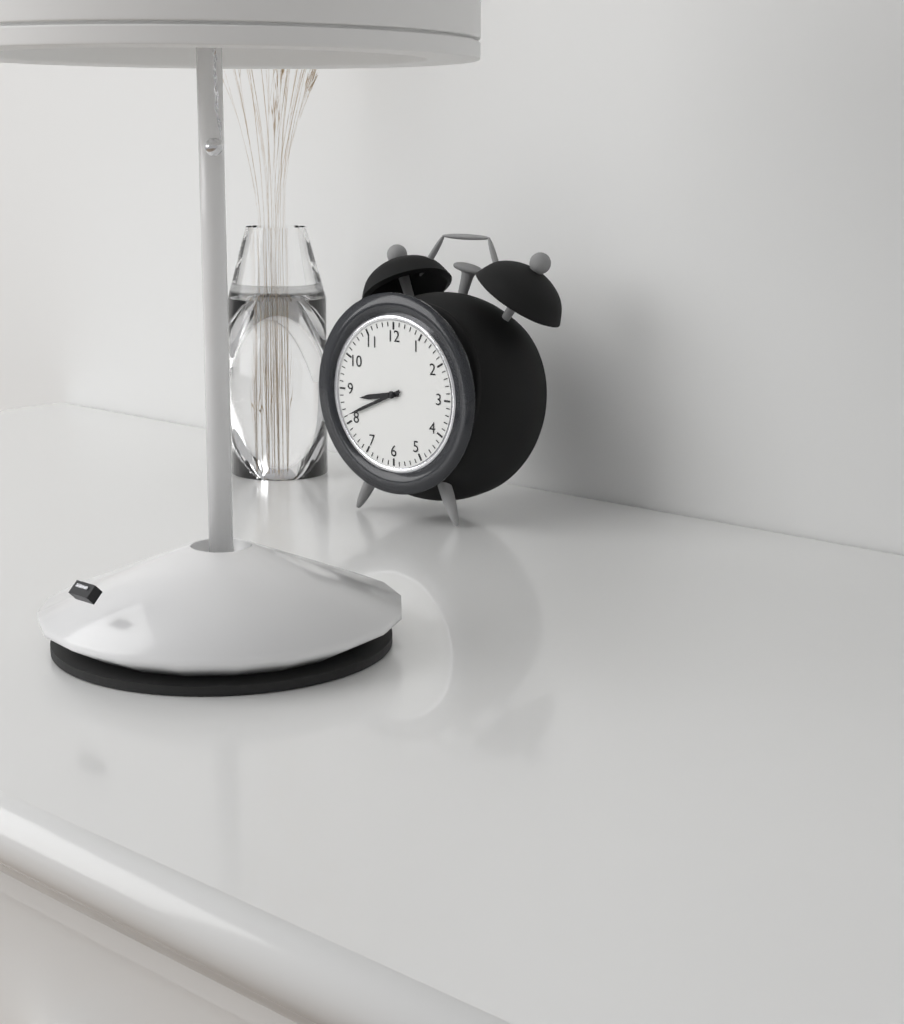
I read 8.41
